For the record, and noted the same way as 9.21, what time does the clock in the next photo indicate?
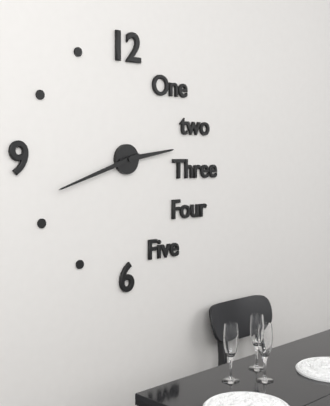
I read 2.42
